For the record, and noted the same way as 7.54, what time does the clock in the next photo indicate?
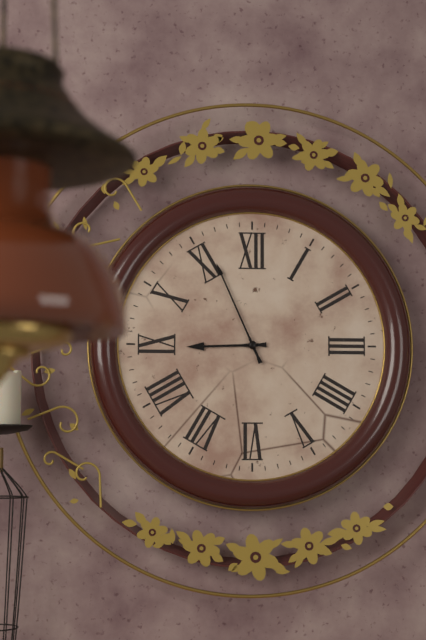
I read 8.56
